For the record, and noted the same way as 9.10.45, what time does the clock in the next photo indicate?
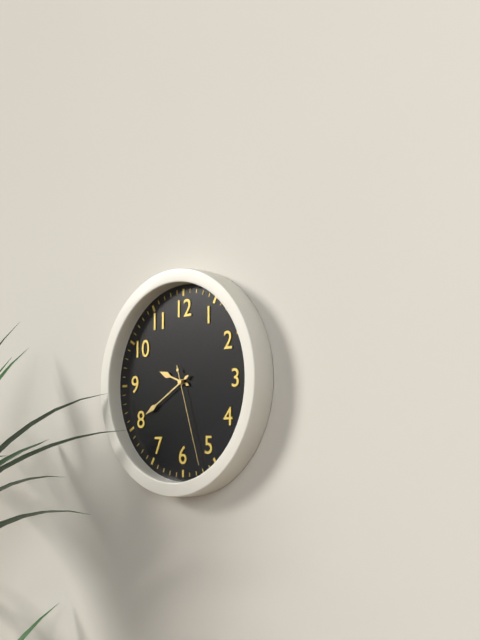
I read 9.40.27
